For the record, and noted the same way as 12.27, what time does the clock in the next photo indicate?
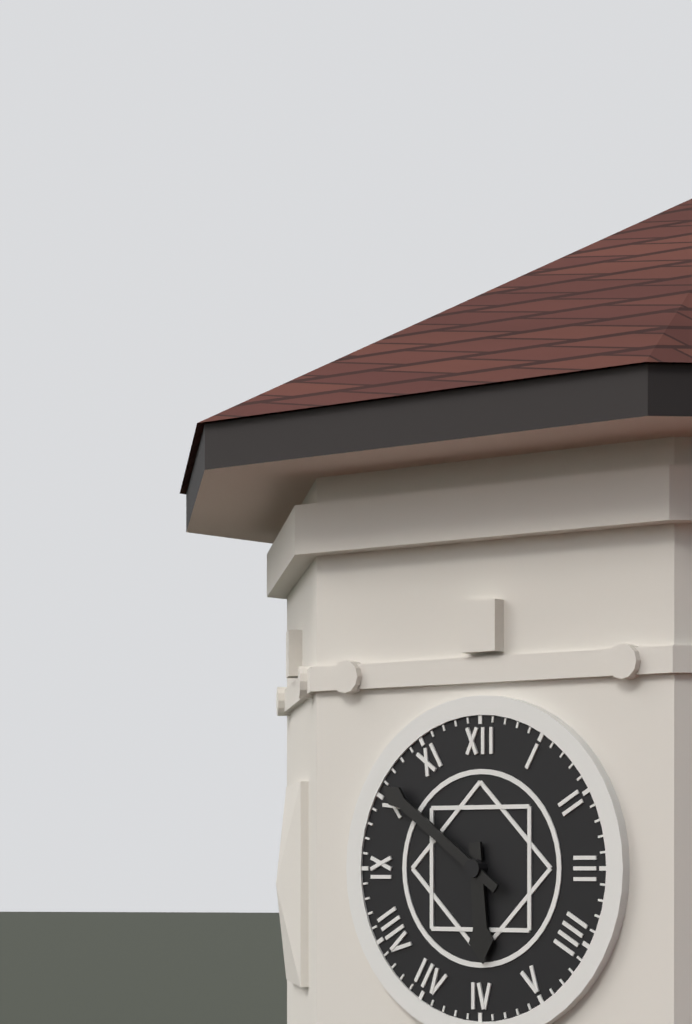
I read 5.51
